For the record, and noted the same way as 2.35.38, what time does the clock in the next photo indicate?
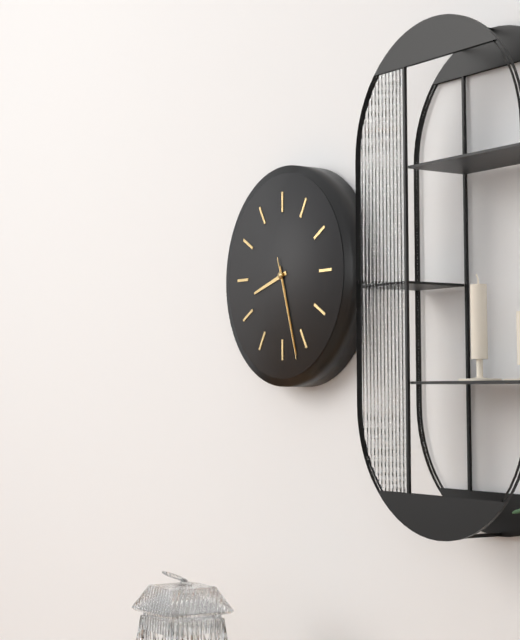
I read 8.27.27
